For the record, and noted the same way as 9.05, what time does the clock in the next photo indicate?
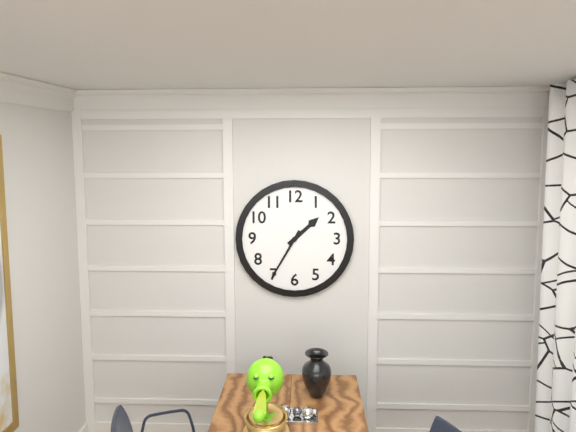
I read 1.35
